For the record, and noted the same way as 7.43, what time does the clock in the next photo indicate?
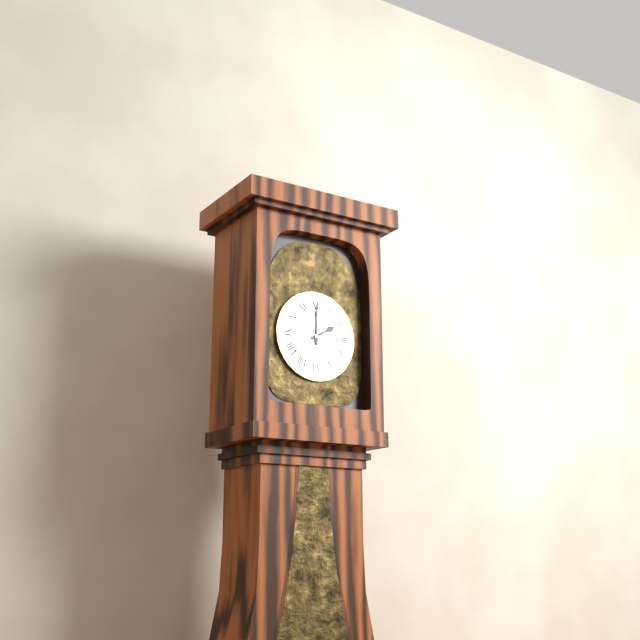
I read 2.00
